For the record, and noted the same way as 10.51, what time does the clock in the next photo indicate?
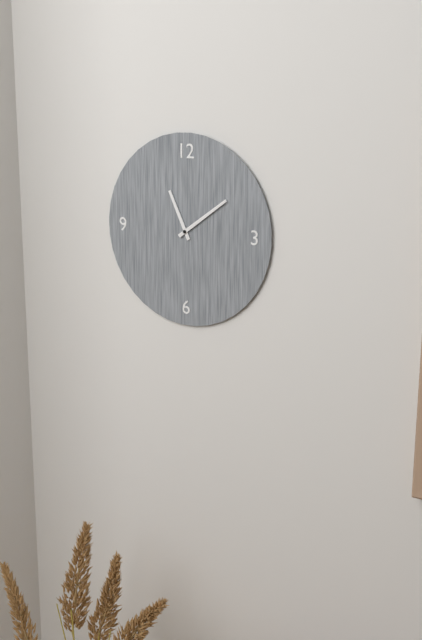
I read 11.09
